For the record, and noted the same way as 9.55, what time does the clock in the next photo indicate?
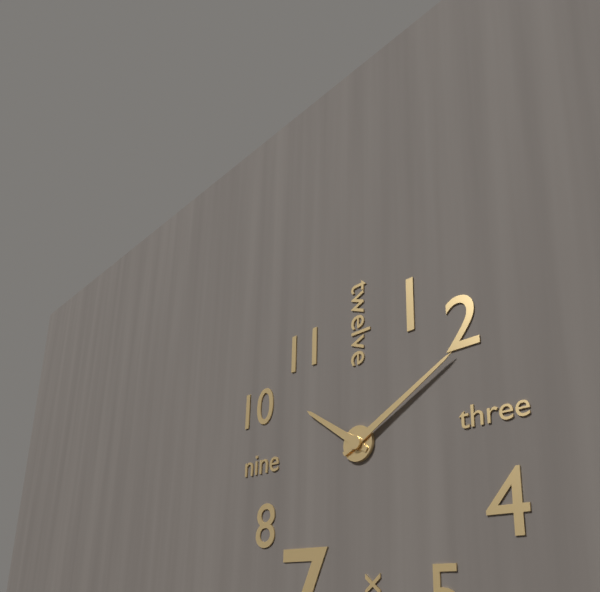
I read 10.10
